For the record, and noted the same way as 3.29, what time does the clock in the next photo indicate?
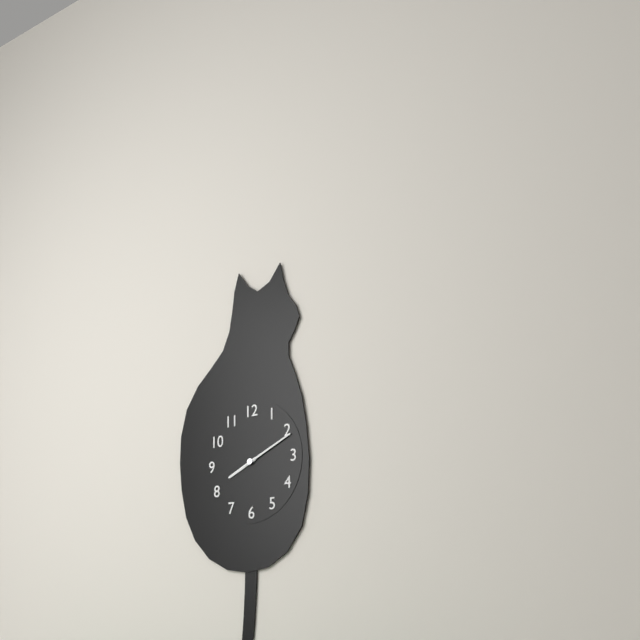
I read 8.11
